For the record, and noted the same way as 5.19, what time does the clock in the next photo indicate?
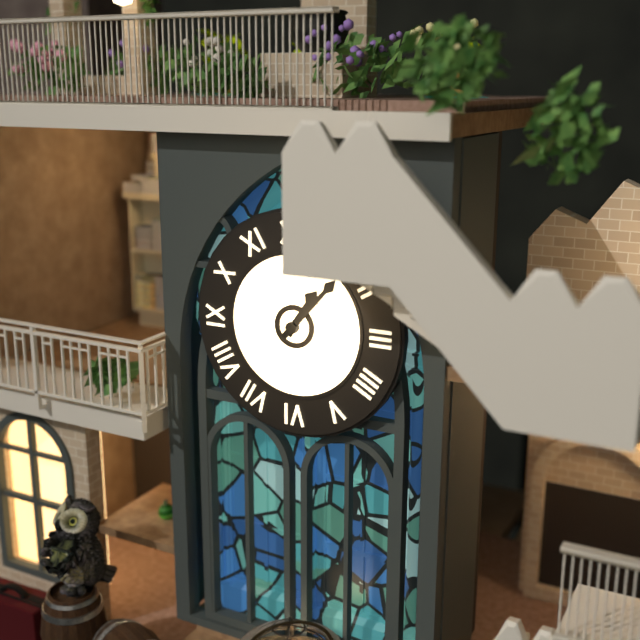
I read 1.07
